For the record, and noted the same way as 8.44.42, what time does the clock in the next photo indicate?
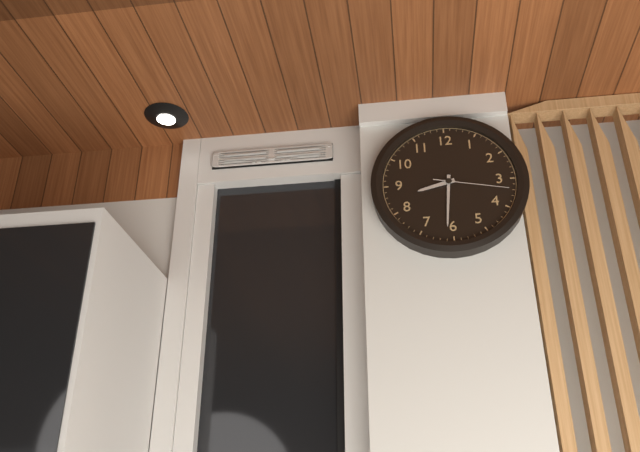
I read 8.31.17
